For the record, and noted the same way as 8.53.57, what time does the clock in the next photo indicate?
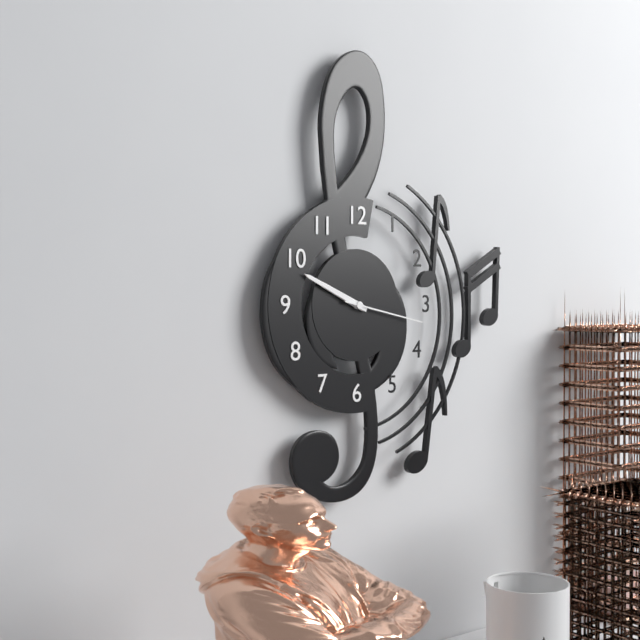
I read 9.49.17
